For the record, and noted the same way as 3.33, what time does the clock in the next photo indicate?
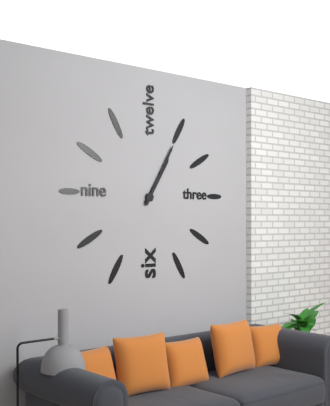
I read 1.05
